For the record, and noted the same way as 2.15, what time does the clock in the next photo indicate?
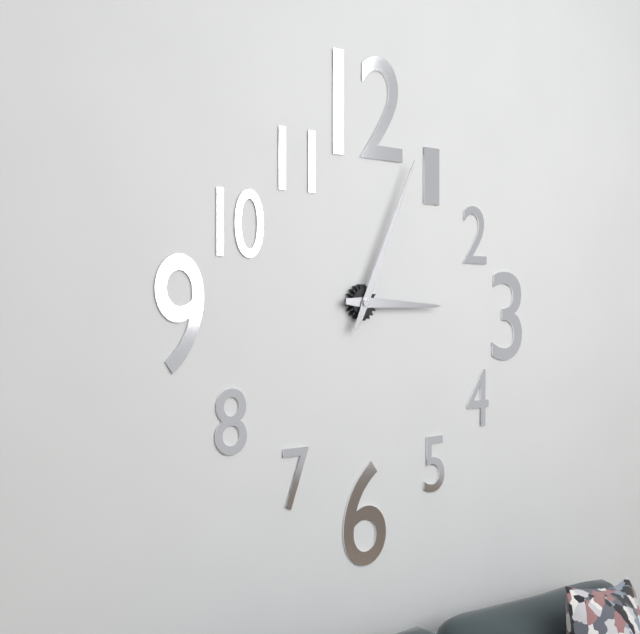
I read 3.04
